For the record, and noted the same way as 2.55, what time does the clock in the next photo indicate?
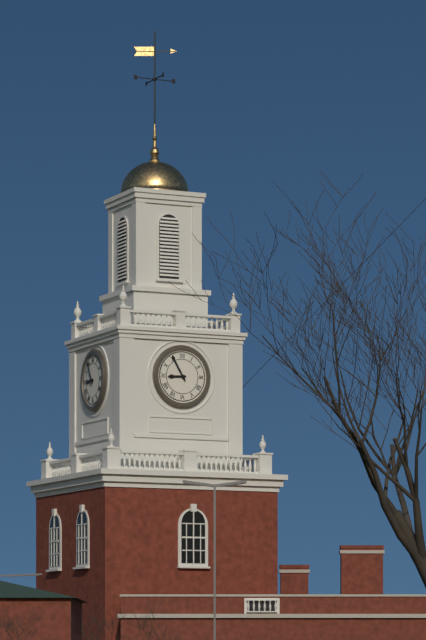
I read 8.55
